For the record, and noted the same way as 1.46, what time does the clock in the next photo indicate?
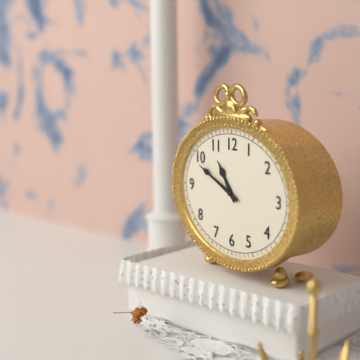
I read 10.49
